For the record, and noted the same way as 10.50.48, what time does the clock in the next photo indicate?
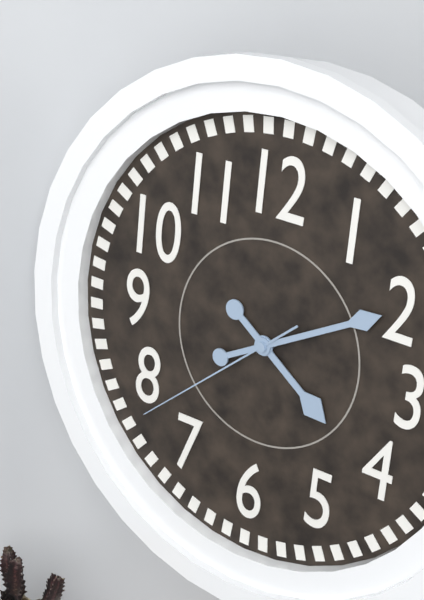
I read 4.10.38
